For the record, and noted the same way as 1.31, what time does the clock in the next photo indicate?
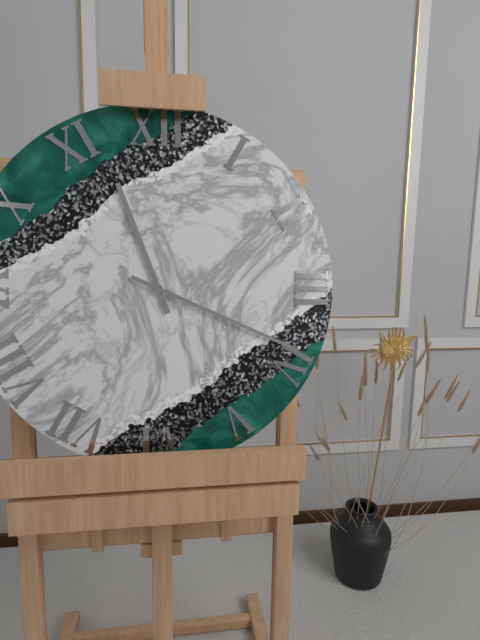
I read 11.19
